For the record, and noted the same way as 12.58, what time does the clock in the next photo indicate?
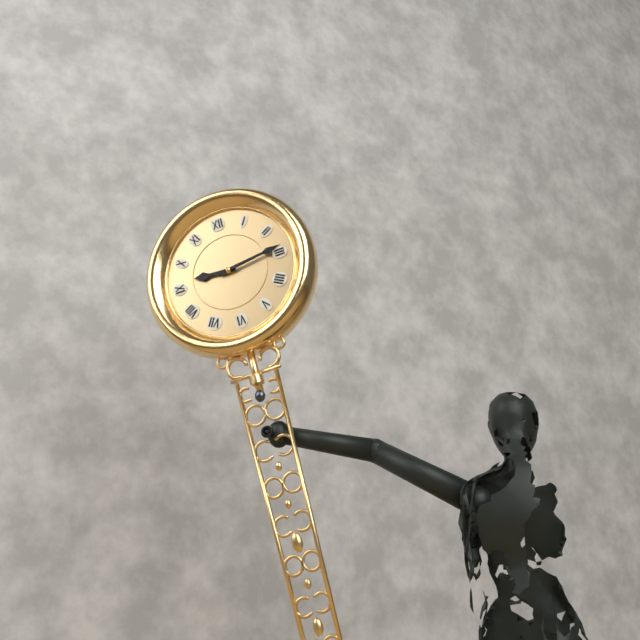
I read 9.14
